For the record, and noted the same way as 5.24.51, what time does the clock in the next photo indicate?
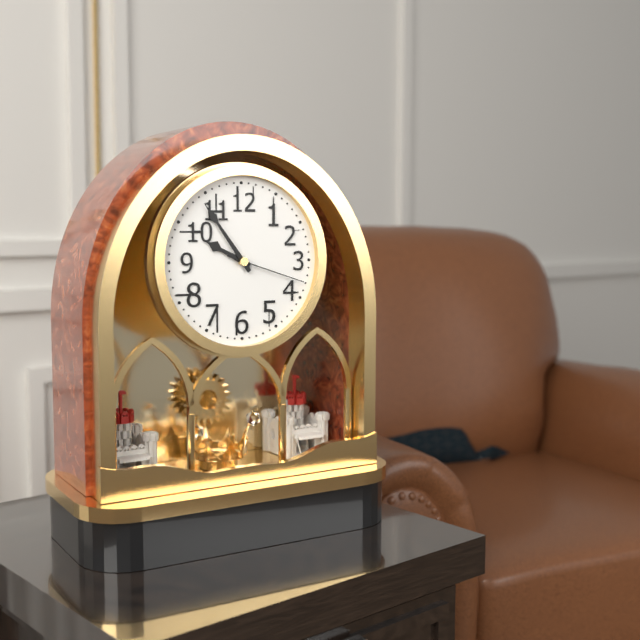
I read 9.54.18
